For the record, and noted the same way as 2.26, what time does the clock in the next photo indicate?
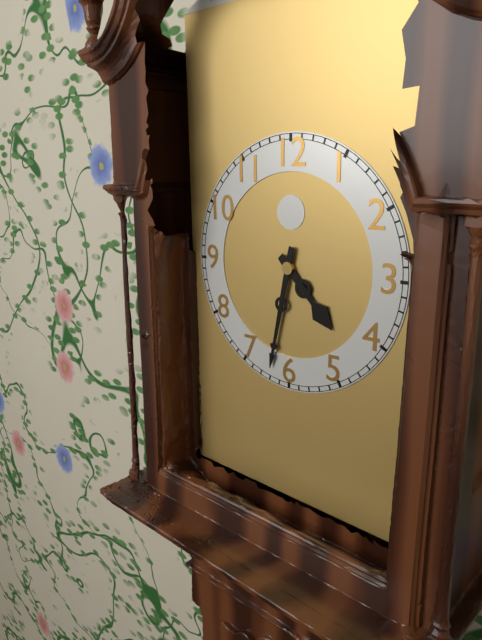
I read 4.32
